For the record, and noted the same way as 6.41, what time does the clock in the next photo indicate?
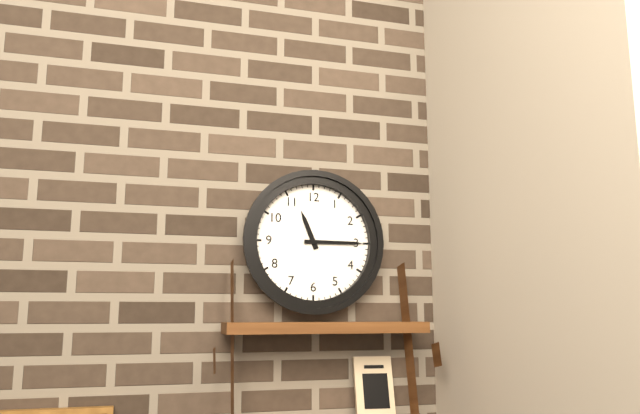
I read 11.15
